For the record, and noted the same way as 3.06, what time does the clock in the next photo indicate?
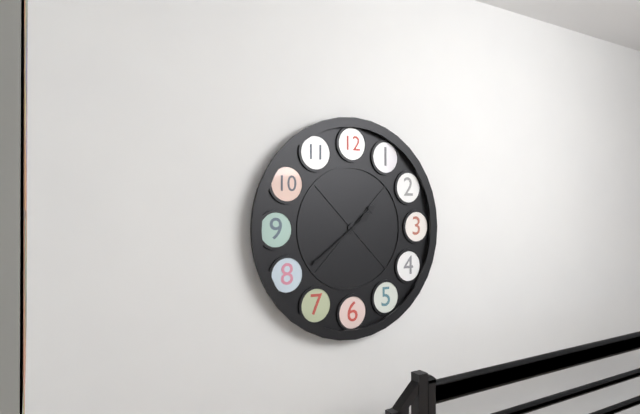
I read 1.39
